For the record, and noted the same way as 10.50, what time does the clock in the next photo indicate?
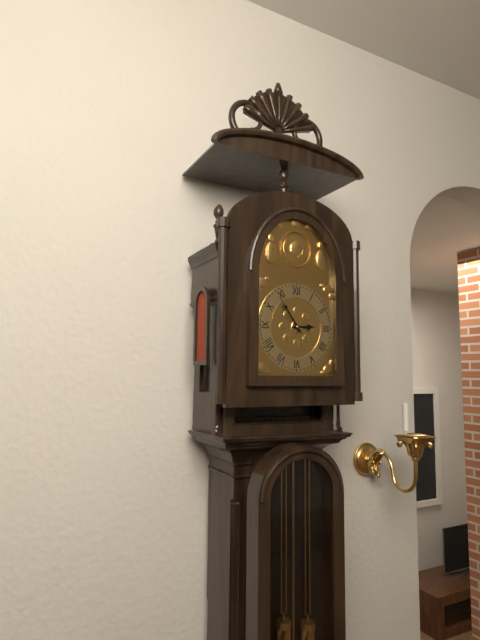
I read 2.54
